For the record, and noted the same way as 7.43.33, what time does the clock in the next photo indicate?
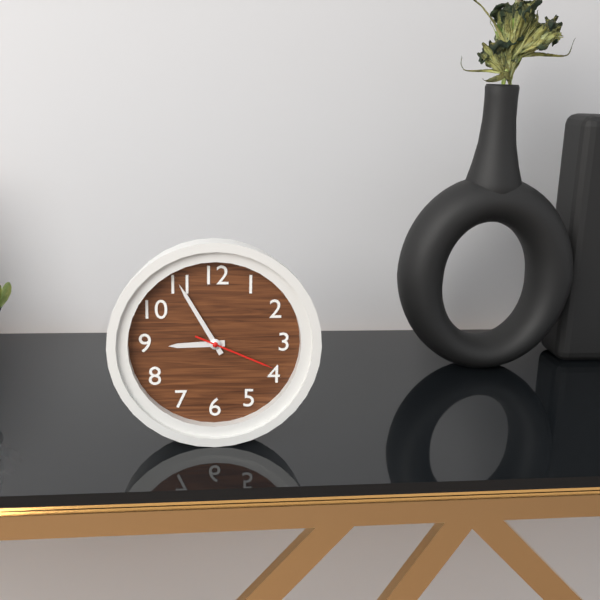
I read 8.55.19
